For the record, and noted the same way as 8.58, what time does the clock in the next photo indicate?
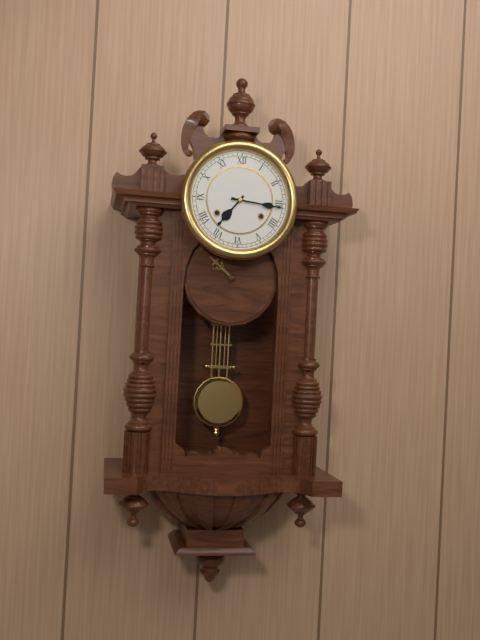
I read 7.16
